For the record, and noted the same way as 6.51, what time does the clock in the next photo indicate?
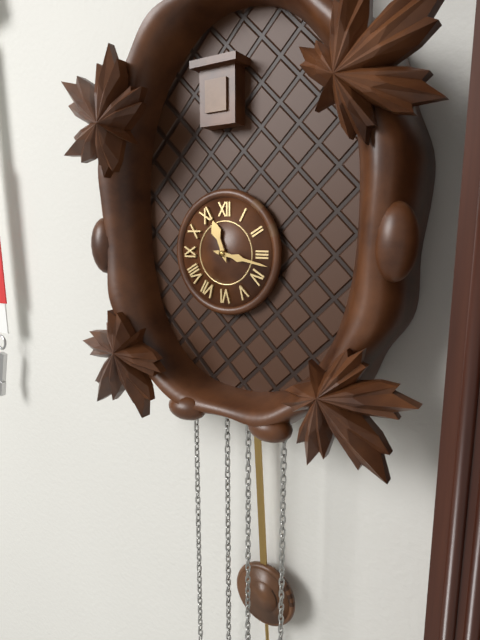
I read 11.17
